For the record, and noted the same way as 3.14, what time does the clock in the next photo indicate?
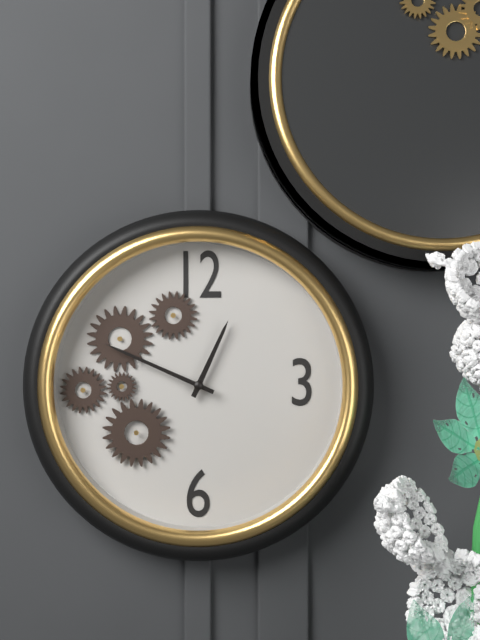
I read 12.49
